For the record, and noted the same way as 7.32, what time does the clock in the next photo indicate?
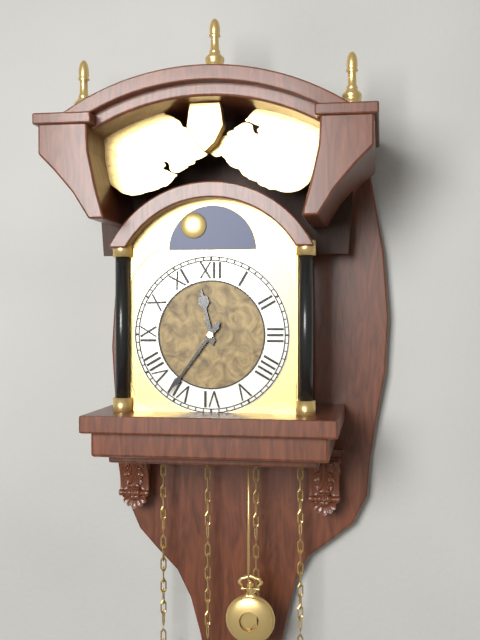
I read 11.36
